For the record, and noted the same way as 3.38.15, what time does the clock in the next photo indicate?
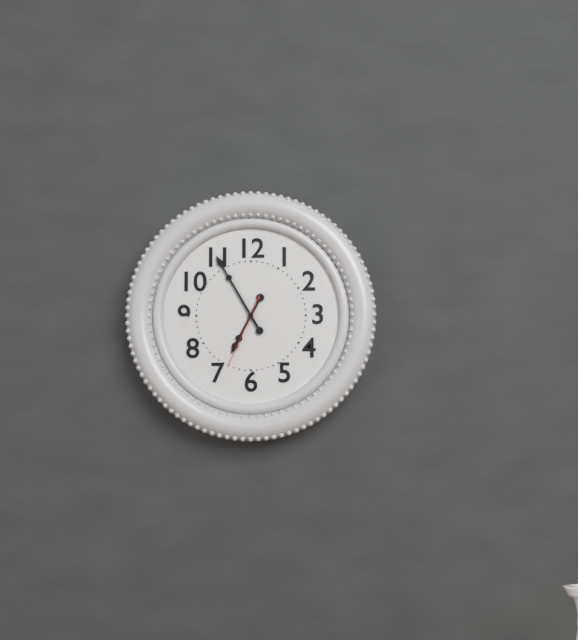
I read 6.55.34
